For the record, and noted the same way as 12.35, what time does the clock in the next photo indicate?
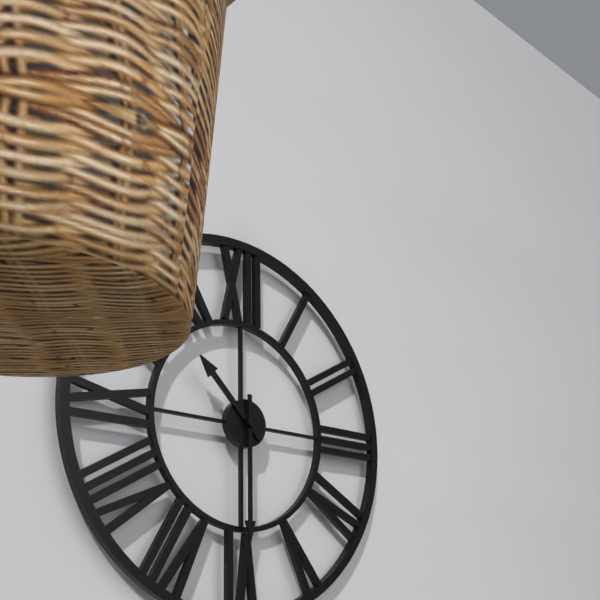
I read 10.30
